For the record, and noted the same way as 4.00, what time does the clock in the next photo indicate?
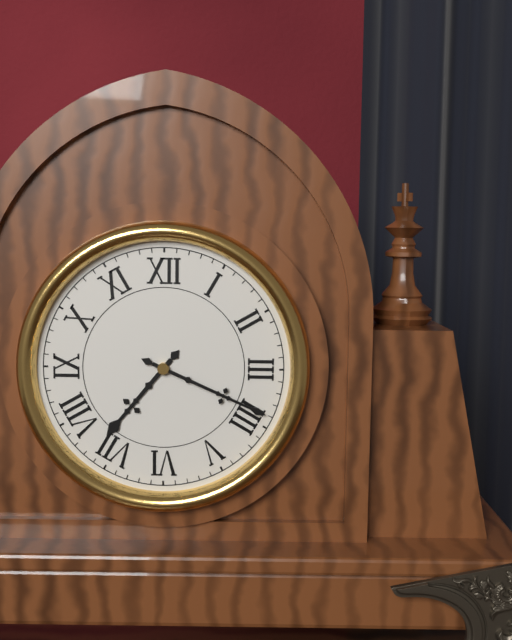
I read 7.19
